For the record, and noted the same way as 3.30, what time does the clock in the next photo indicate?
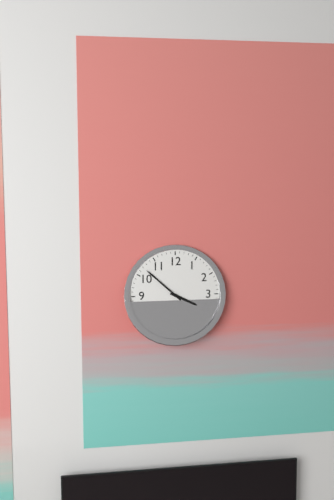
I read 3.52
